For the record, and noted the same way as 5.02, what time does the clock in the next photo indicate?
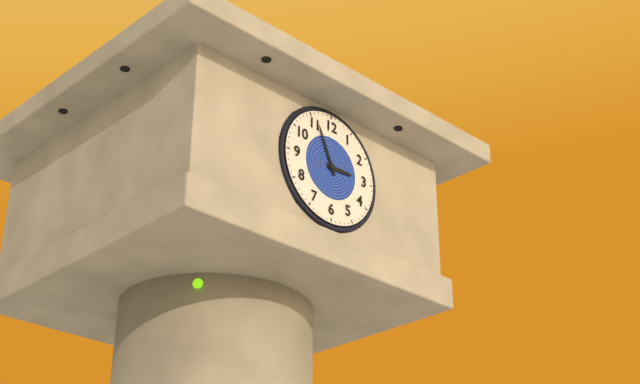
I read 2.56
